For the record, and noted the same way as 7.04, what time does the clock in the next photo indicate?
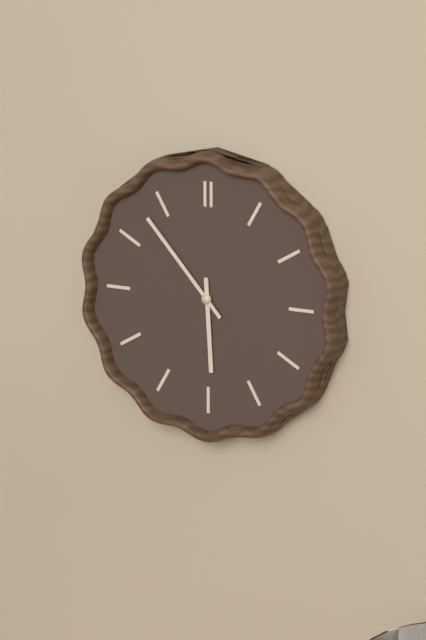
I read 5.53
